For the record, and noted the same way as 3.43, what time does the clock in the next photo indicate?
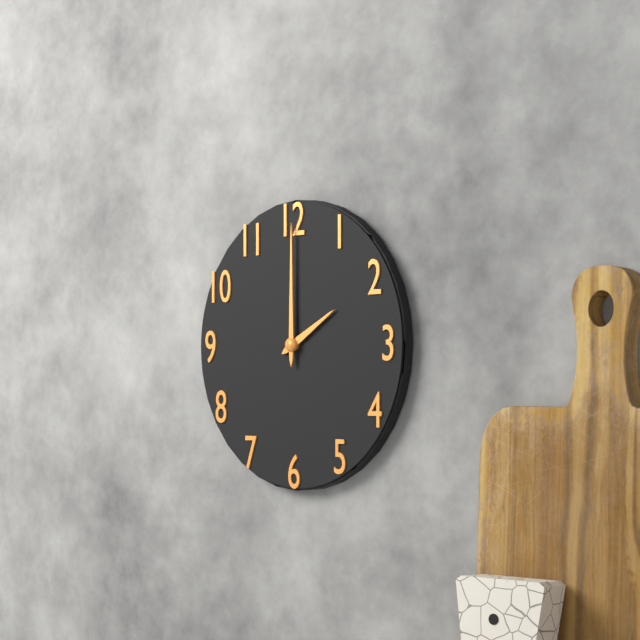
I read 2.00
